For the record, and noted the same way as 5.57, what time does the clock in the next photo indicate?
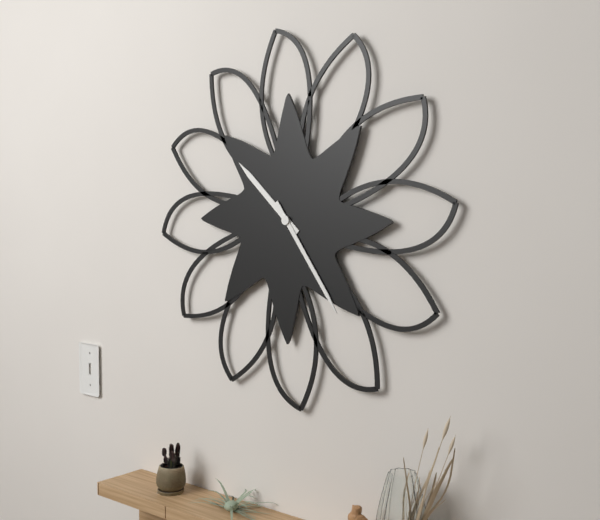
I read 10.24
